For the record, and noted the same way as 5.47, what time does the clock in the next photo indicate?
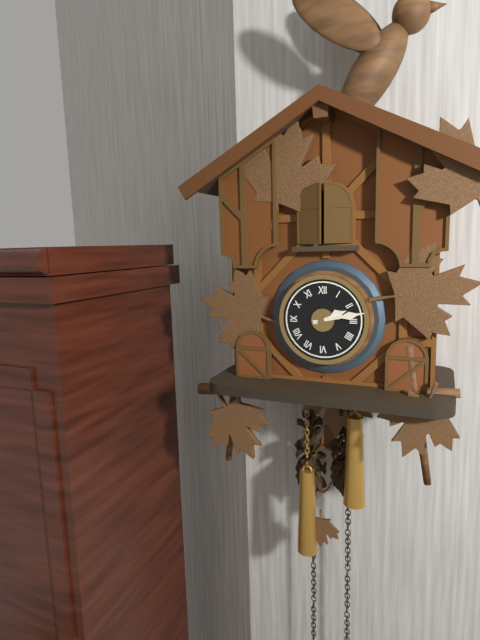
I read 2.13
